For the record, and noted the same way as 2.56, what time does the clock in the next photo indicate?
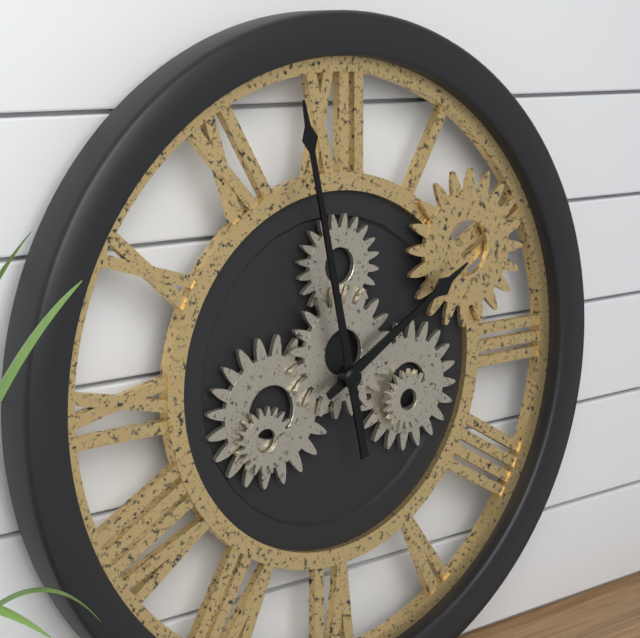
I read 1.58
